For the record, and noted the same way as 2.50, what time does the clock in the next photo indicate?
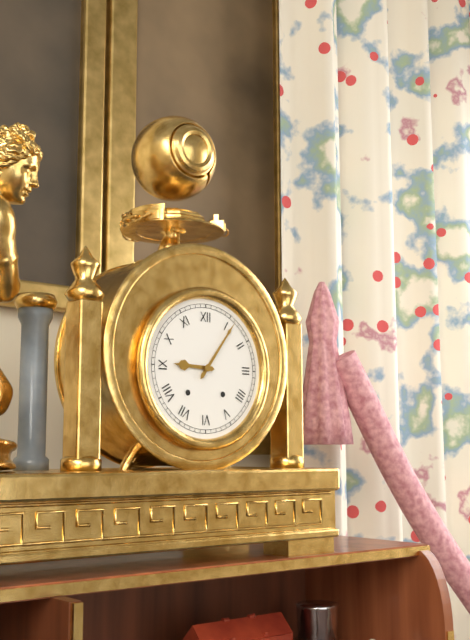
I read 9.06
